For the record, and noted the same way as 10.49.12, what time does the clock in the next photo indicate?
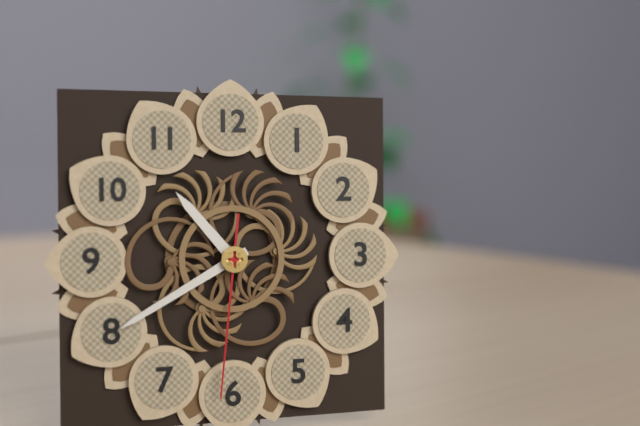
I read 10.40.31
